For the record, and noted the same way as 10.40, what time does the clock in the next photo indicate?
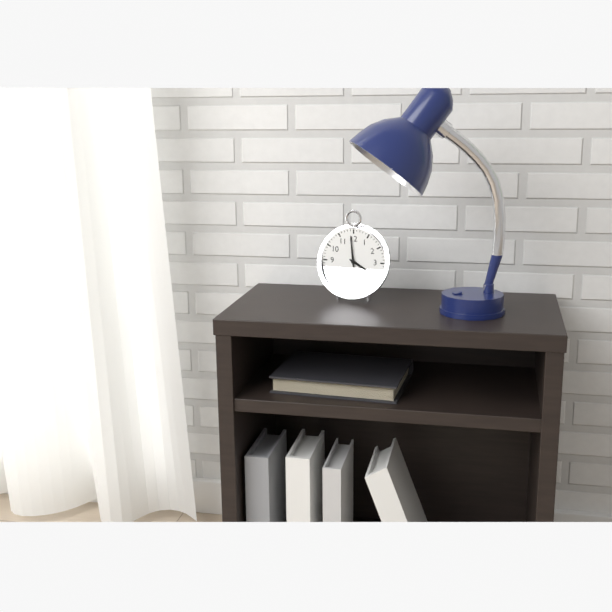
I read 3.59
